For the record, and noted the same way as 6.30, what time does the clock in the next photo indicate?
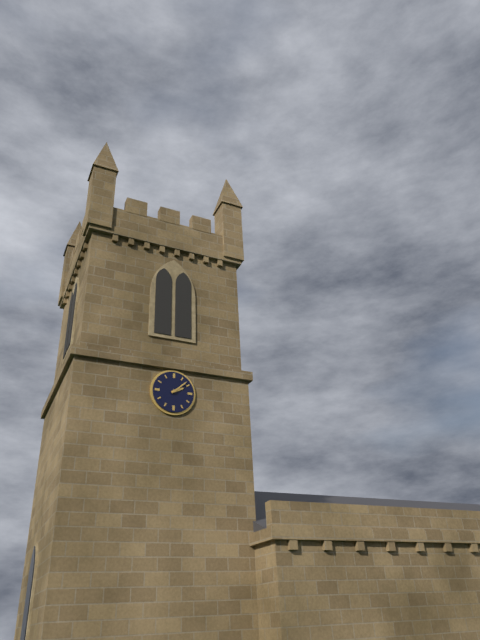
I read 2.08
